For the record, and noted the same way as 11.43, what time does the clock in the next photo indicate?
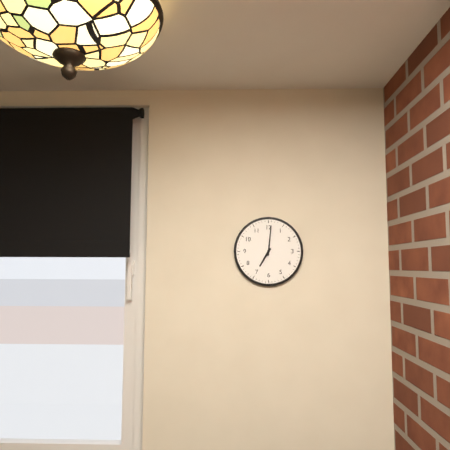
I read 7.01
